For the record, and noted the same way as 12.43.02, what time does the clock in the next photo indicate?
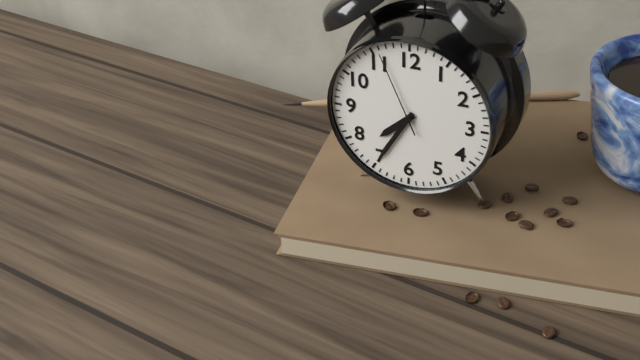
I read 7.35.56
